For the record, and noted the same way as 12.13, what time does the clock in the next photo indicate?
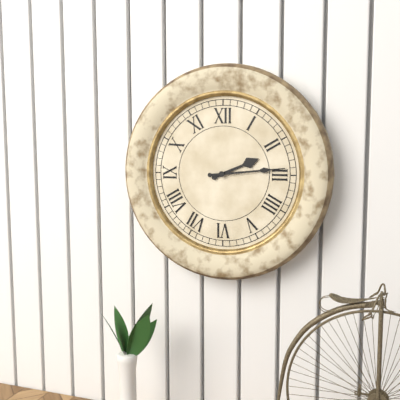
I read 2.14
